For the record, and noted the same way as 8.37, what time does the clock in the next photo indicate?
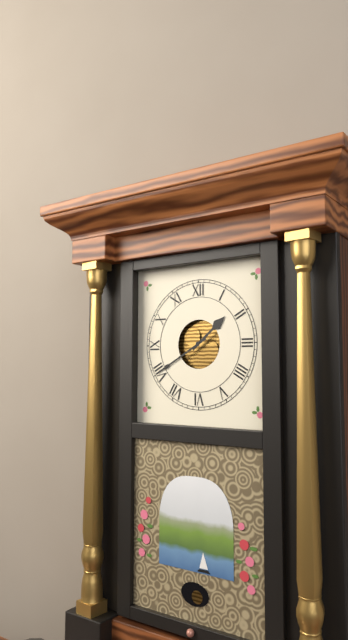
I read 1.40
